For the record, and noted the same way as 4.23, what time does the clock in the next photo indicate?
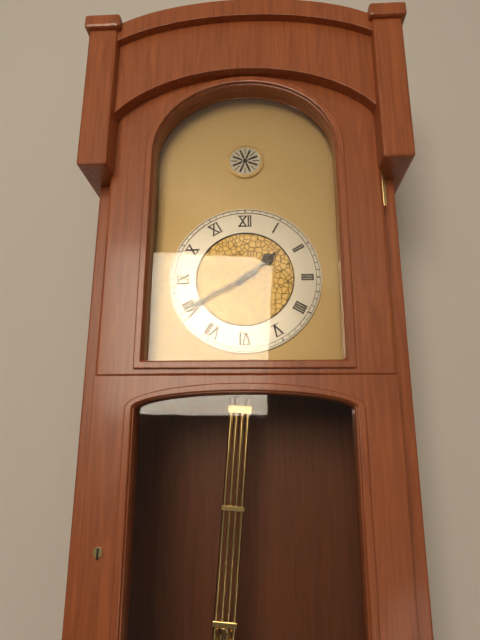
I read 1.40
